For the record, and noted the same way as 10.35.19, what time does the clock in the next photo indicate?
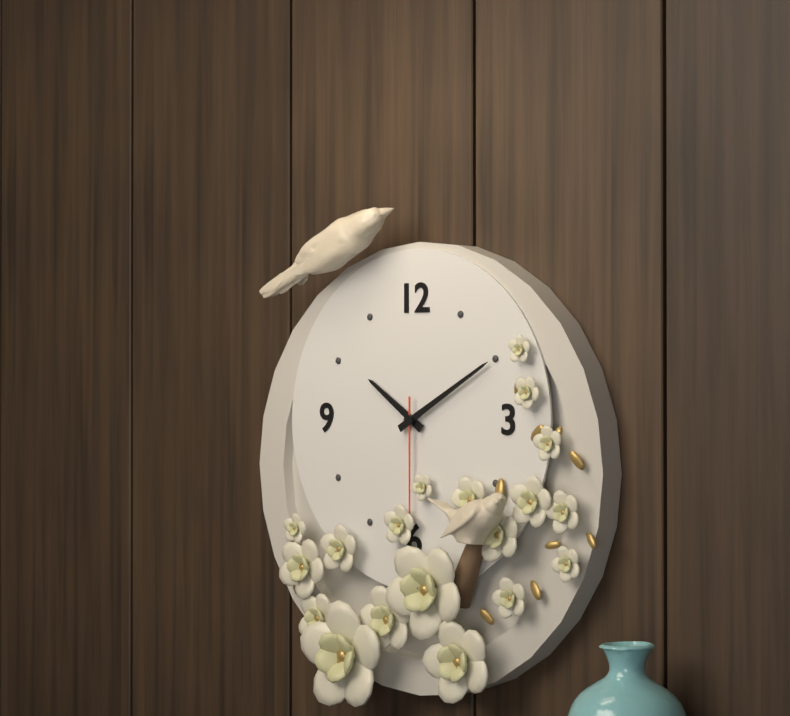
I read 10.10.30
